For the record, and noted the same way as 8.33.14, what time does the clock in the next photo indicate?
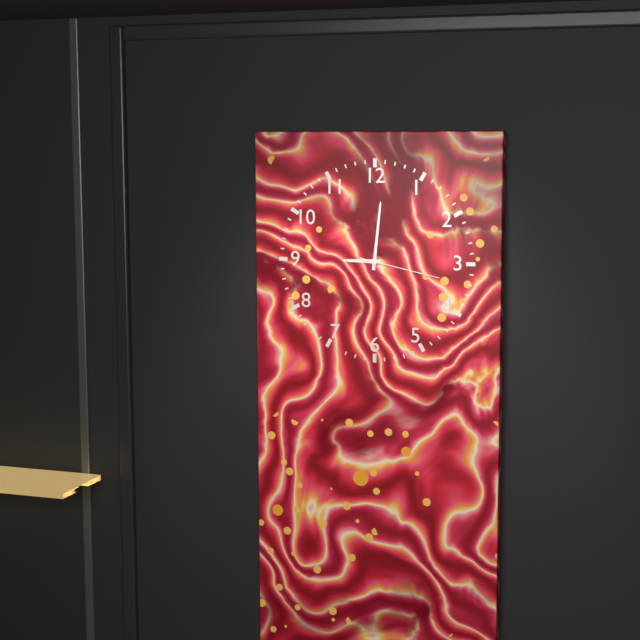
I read 9.01.17
